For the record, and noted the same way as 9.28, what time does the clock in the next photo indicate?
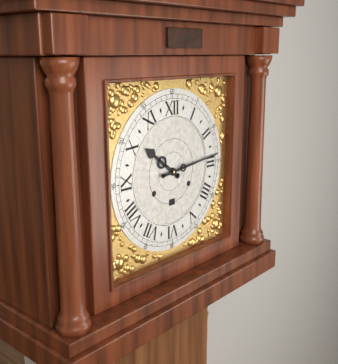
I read 10.14
